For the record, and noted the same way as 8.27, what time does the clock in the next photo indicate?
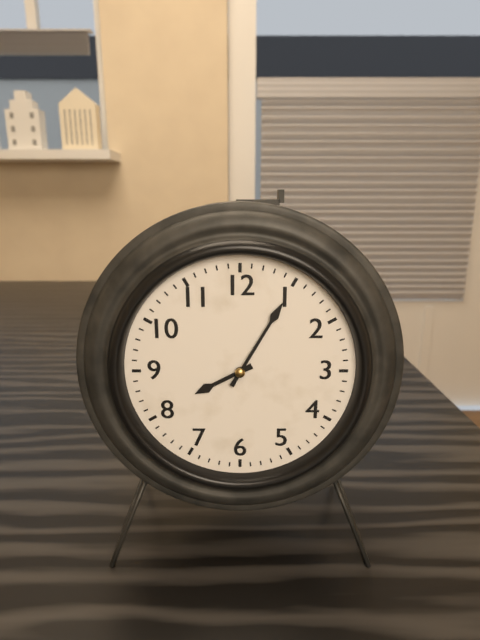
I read 8.05
